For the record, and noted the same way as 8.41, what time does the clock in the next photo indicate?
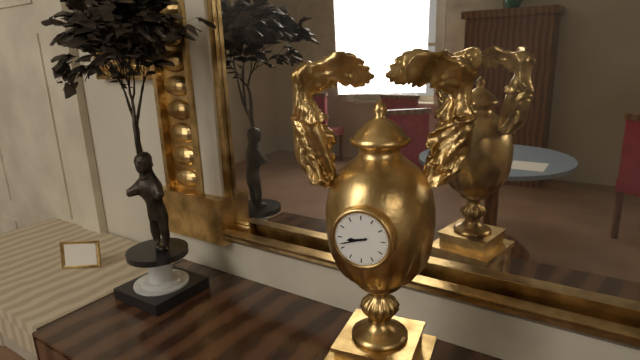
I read 8.42
